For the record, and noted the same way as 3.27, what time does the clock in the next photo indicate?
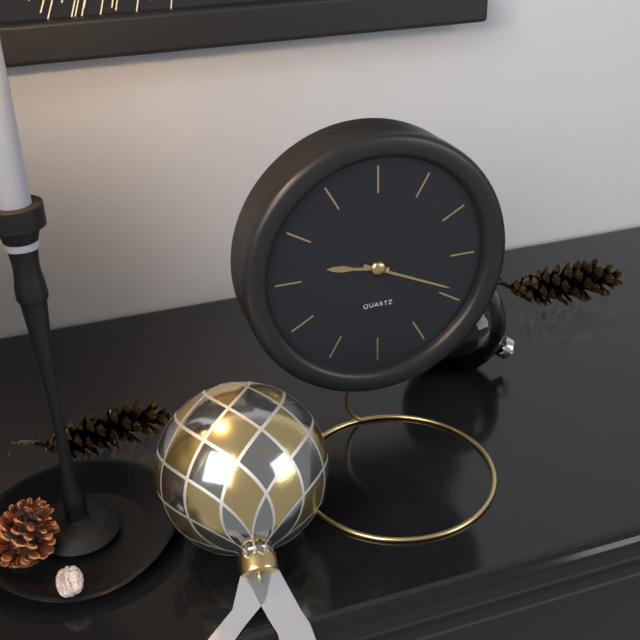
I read 9.19
